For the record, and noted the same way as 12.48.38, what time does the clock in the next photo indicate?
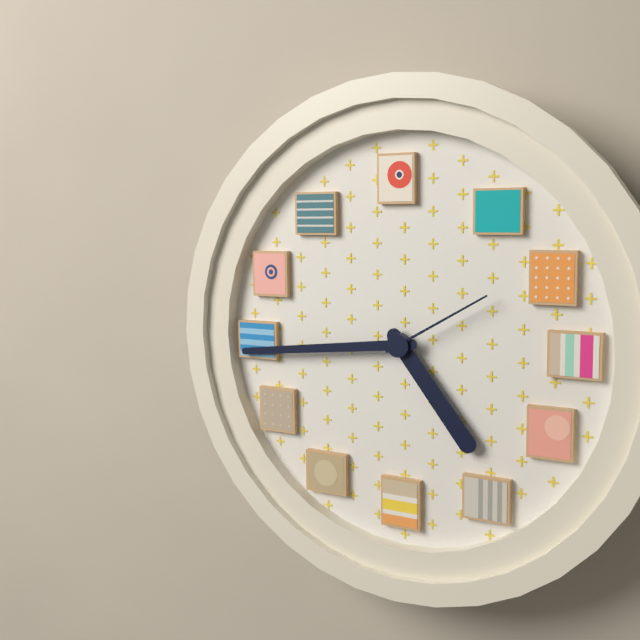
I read 4.44.10
